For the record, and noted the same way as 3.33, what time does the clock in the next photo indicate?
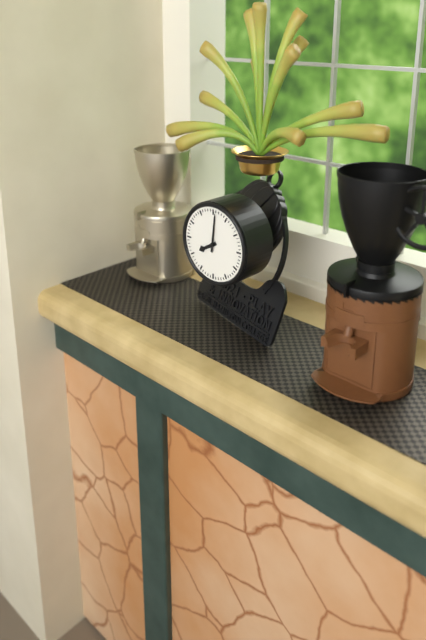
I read 8.01
